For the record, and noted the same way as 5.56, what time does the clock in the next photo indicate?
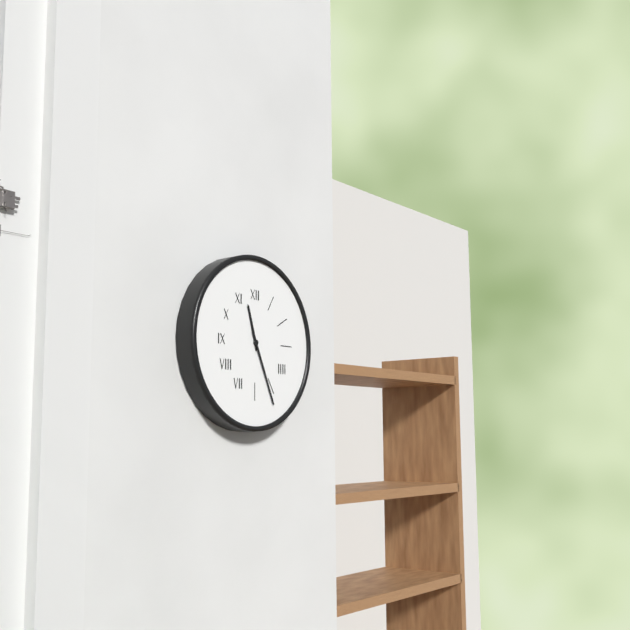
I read 11.26
